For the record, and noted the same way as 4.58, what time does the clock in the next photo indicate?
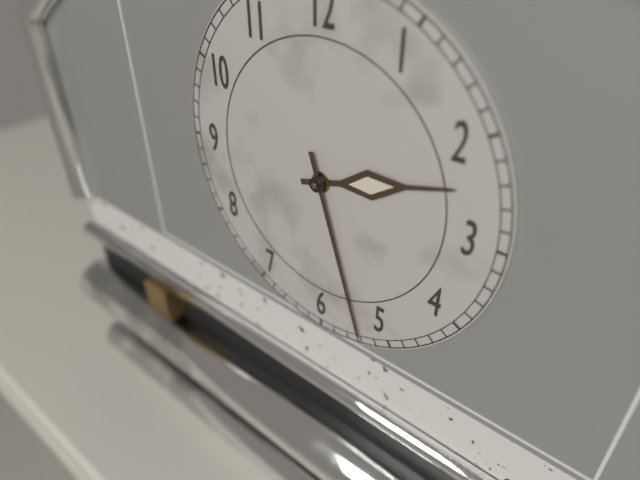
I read 2.27
